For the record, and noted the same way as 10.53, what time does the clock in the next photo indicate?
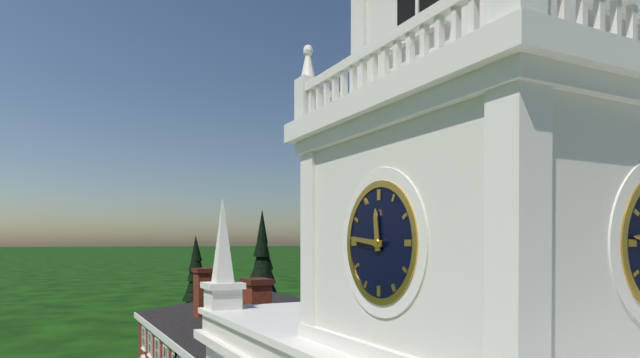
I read 11.46
